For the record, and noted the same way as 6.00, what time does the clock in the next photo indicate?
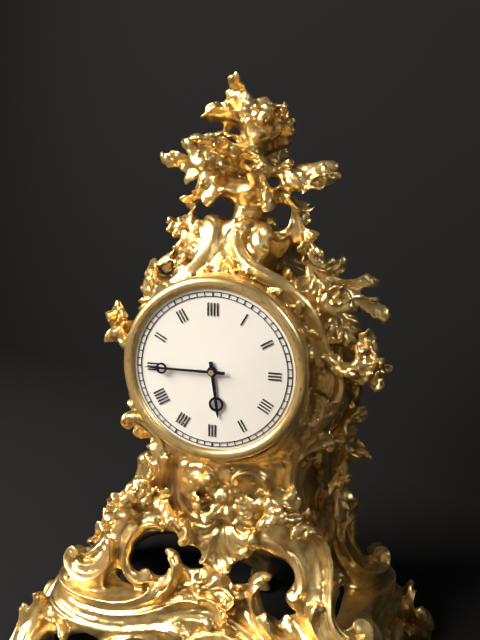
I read 5.45
